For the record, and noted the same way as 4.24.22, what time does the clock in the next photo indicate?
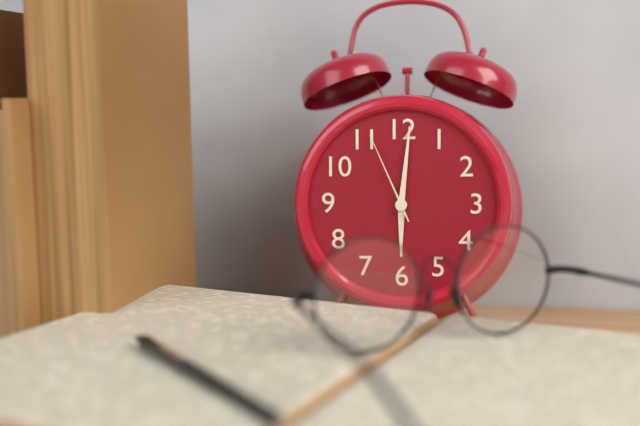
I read 6.01.56
